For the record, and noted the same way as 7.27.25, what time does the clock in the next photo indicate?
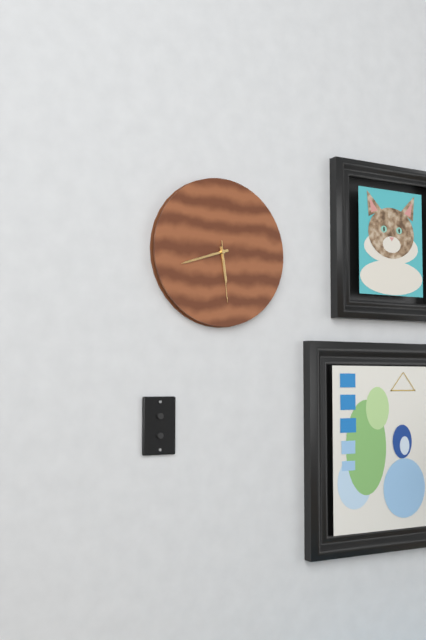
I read 5.42.29
